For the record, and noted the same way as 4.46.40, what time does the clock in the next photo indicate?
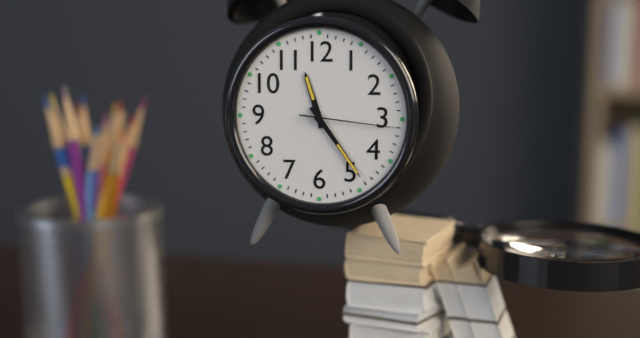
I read 11.24.16
